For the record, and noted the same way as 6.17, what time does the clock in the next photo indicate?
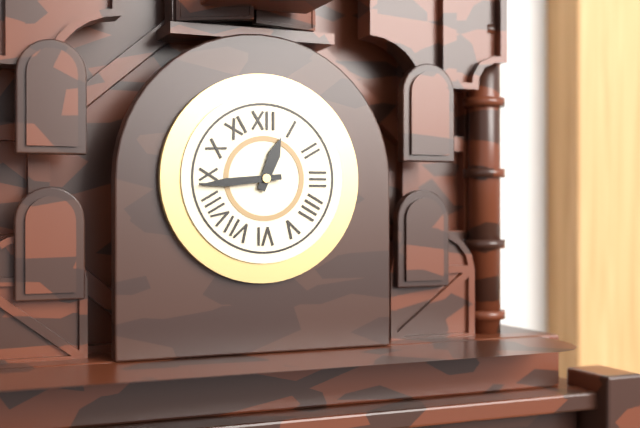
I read 12.44
